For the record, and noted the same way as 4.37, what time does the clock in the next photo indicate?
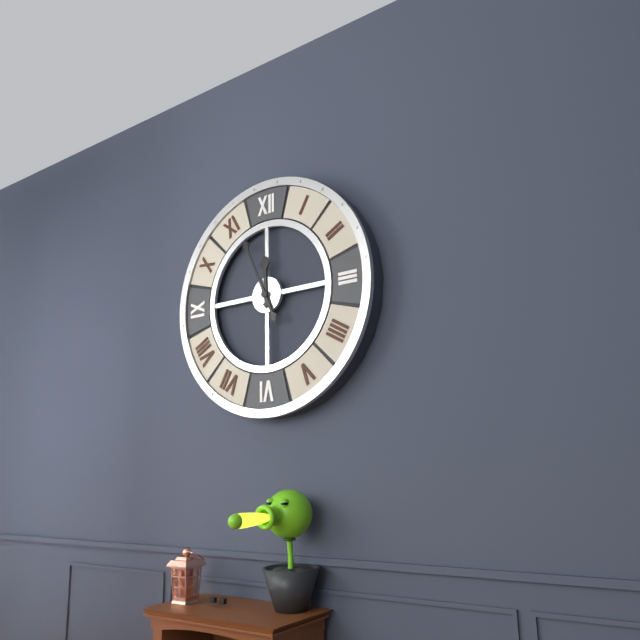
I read 11.56
